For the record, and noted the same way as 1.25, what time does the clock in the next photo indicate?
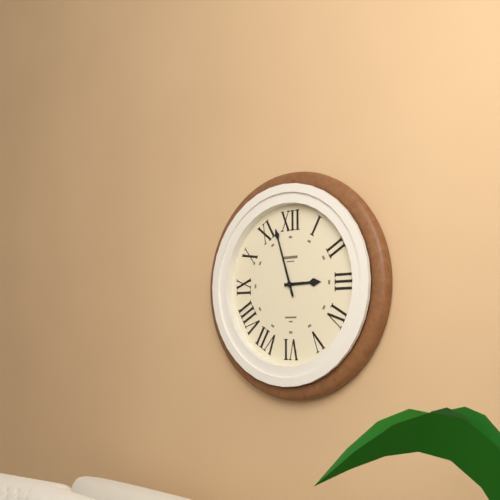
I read 2.57
